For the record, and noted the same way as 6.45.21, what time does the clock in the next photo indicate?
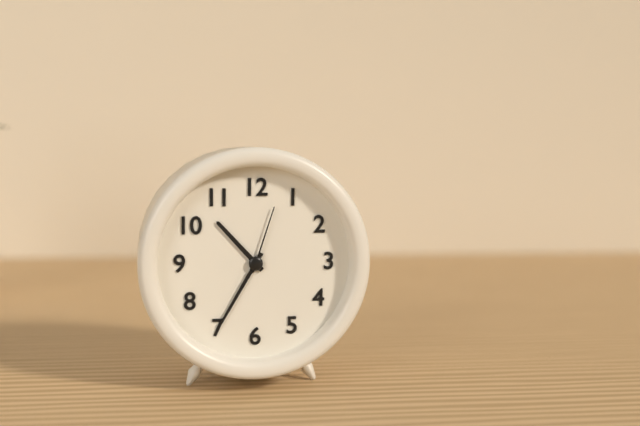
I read 10.35.03
